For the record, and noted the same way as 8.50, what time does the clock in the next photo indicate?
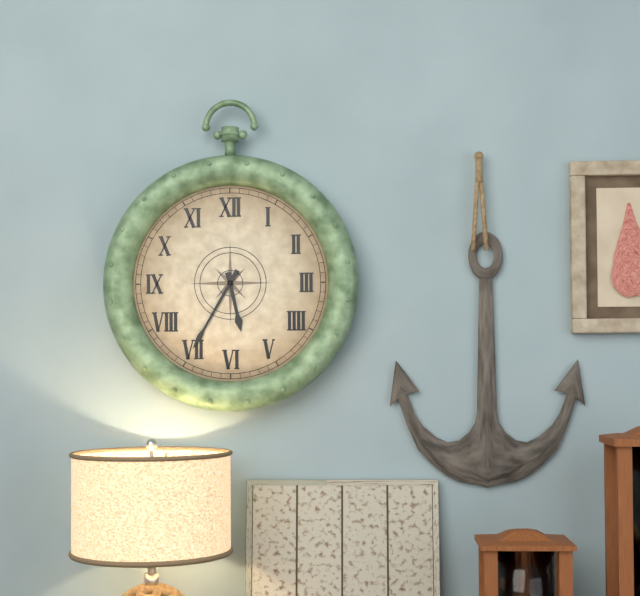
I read 5.35
